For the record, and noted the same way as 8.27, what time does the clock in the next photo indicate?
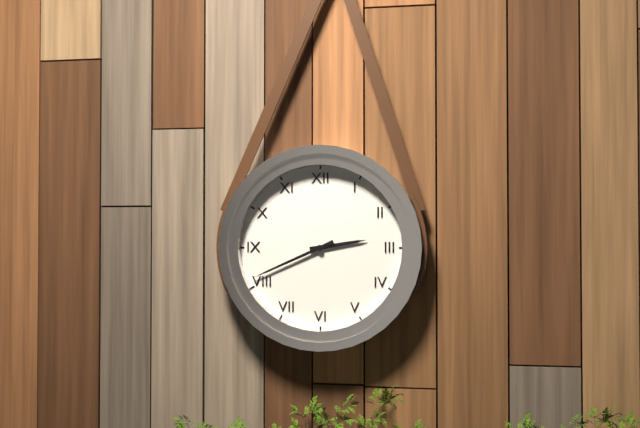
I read 2.41
